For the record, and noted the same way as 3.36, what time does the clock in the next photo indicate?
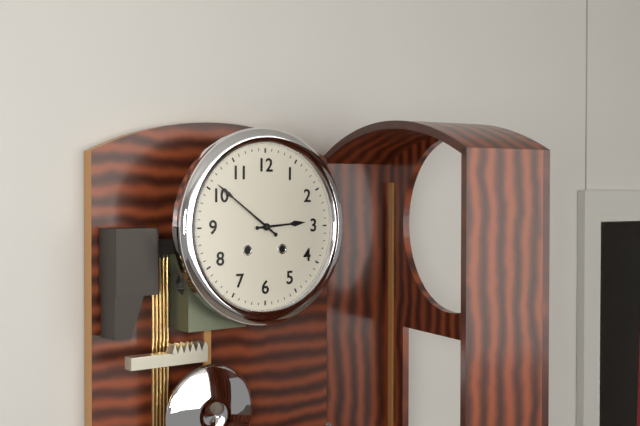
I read 2.51
